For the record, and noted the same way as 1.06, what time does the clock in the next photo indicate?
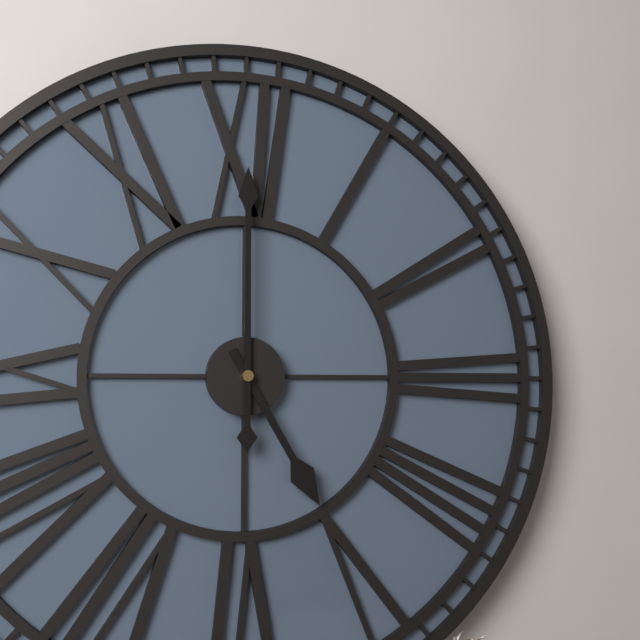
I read 5.00
